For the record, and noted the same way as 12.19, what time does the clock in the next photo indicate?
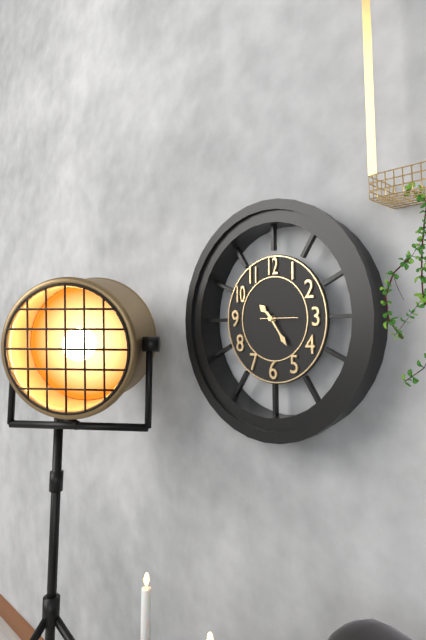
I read 10.24
